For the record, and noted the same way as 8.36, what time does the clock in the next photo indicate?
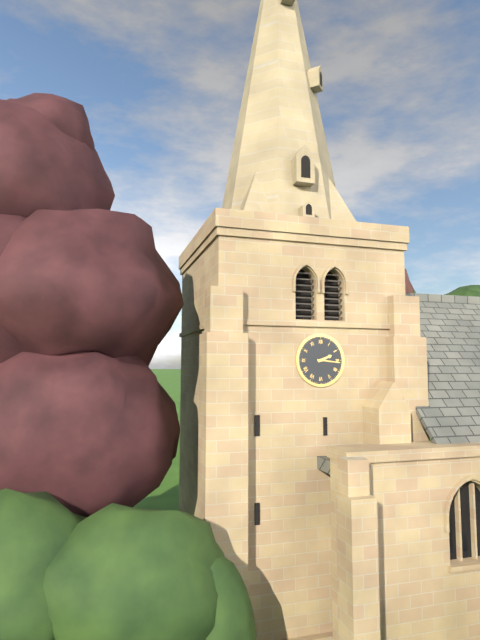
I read 2.16
